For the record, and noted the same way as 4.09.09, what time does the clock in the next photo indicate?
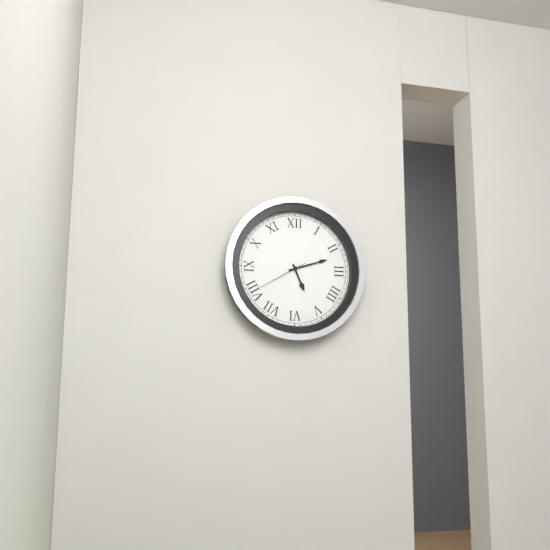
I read 5.12.40
